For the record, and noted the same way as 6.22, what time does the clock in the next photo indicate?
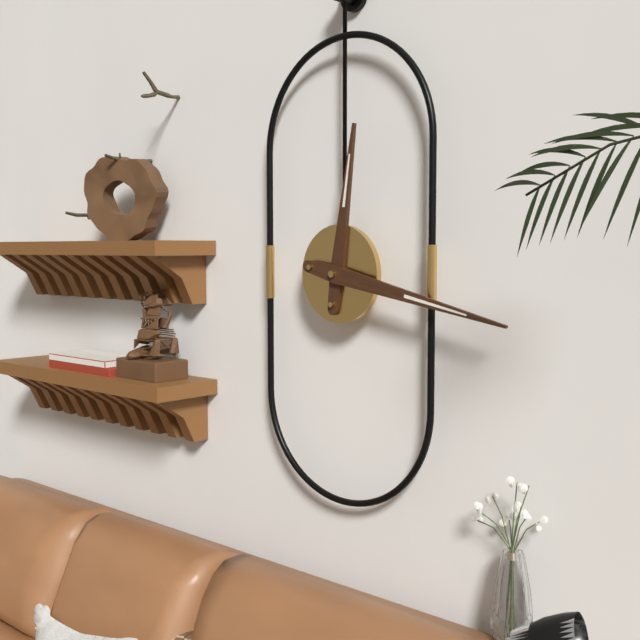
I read 12.17
